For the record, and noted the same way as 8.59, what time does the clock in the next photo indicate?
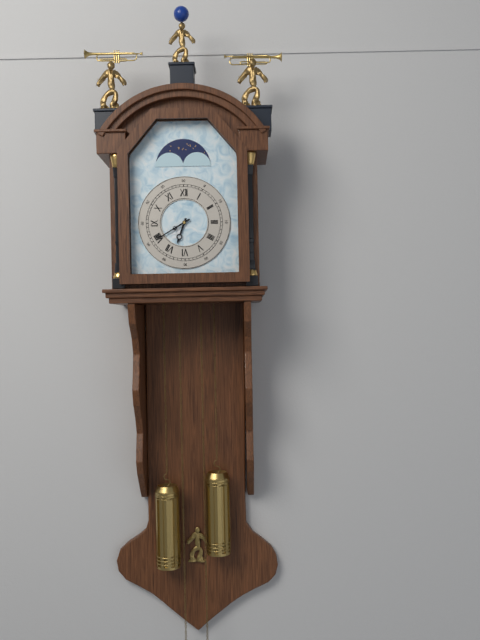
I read 6.40
